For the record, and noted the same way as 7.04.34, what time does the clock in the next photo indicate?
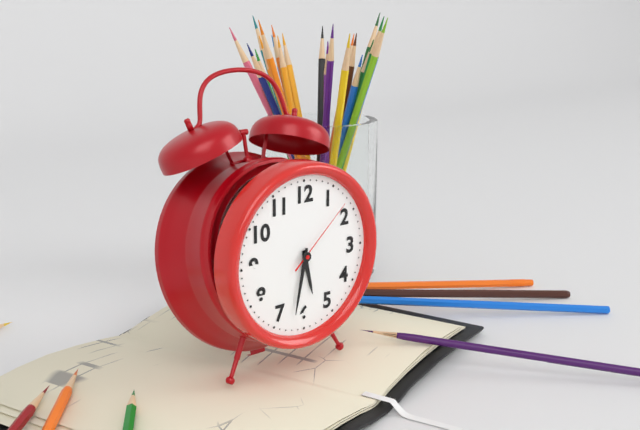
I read 5.32.08
